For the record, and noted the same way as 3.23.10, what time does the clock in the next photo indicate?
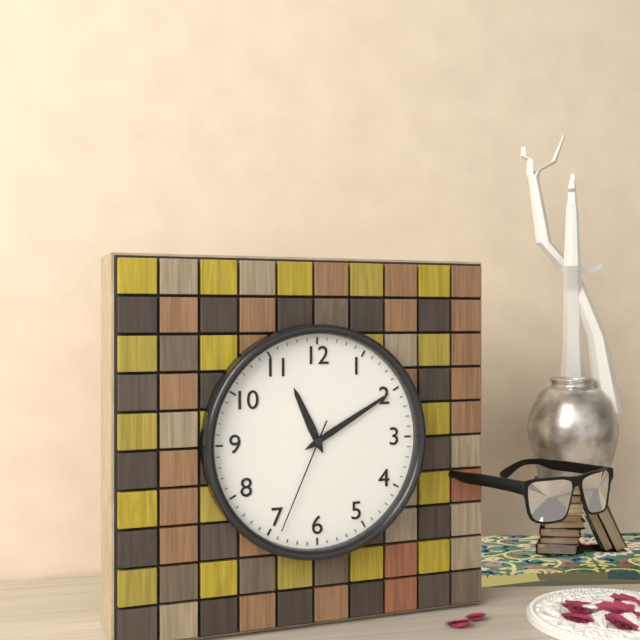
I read 11.10.34
